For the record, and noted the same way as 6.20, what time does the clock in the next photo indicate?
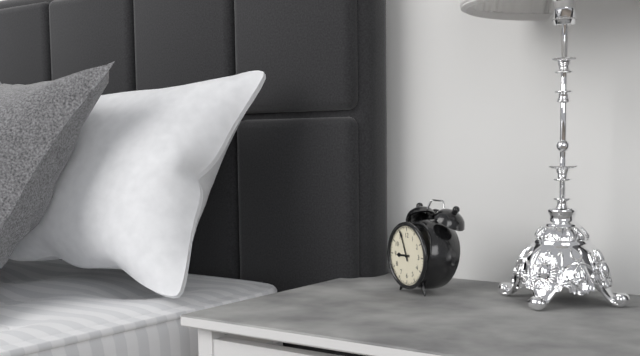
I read 8.56
